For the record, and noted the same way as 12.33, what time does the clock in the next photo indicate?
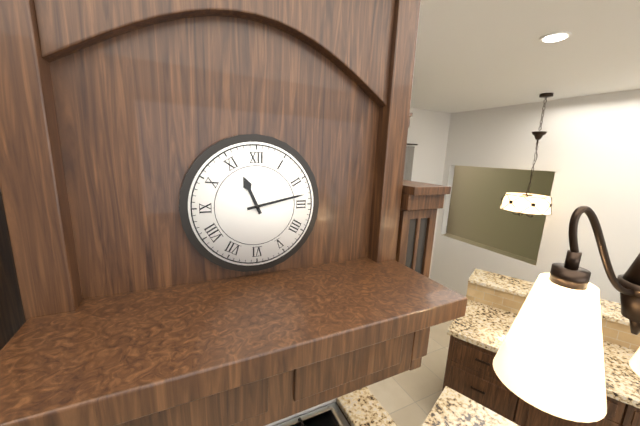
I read 11.13
